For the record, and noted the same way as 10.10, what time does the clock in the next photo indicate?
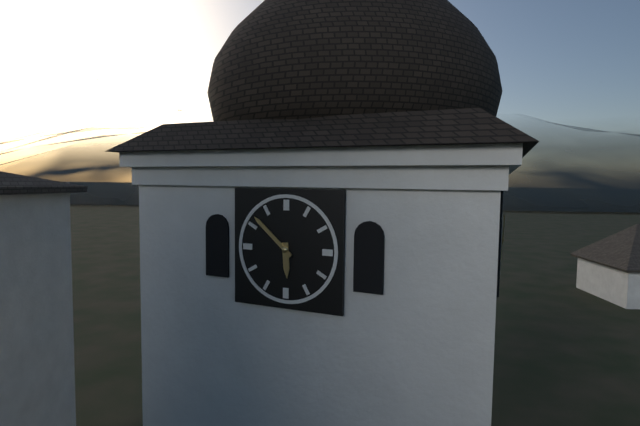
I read 5.52
